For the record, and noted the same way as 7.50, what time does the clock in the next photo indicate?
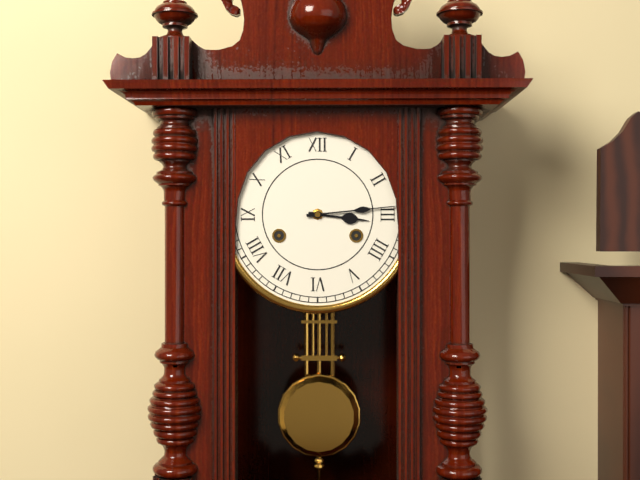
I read 3.14
